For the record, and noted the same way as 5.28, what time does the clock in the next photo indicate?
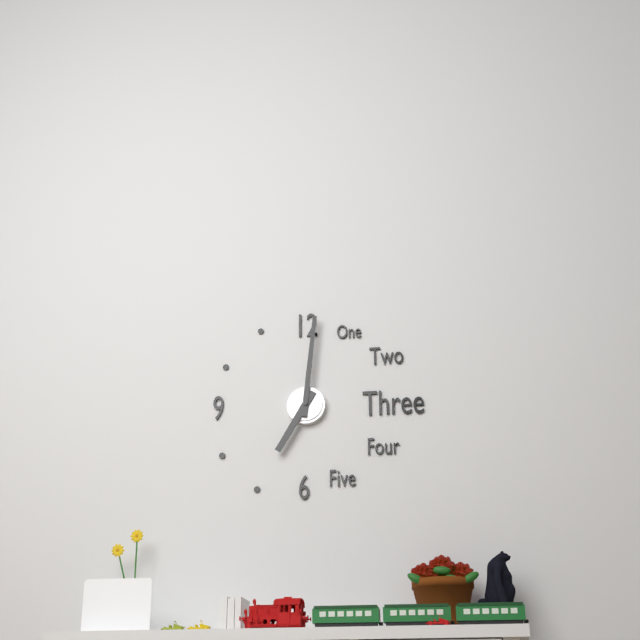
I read 7.01
